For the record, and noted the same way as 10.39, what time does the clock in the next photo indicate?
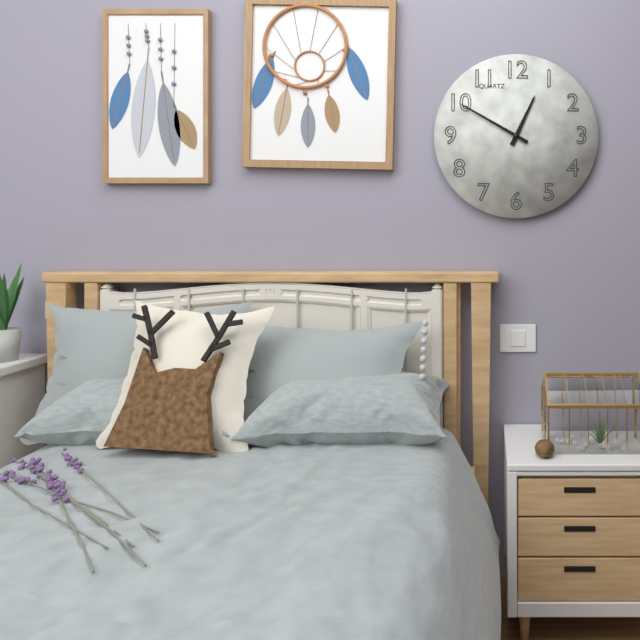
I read 12.50
